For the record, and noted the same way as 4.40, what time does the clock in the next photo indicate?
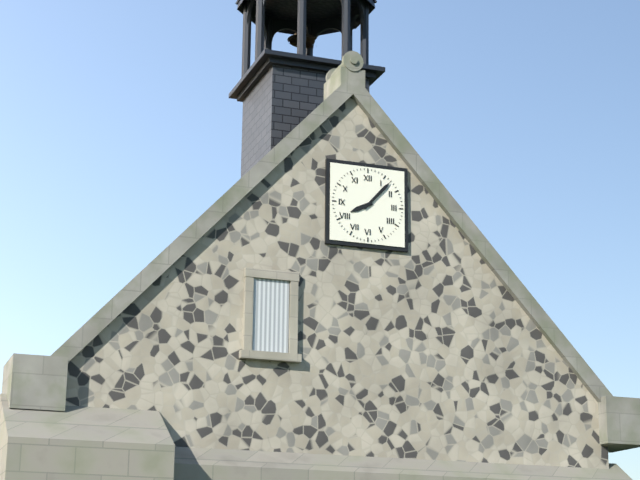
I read 8.07
